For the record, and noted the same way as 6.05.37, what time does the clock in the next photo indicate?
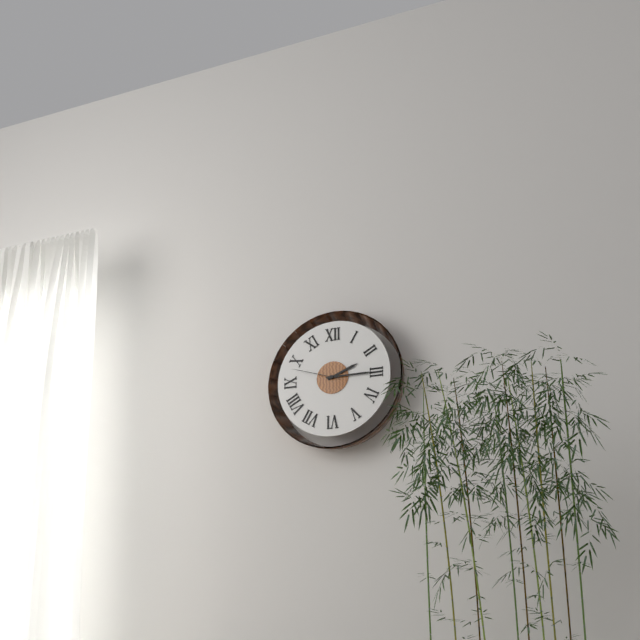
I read 2.15.48
